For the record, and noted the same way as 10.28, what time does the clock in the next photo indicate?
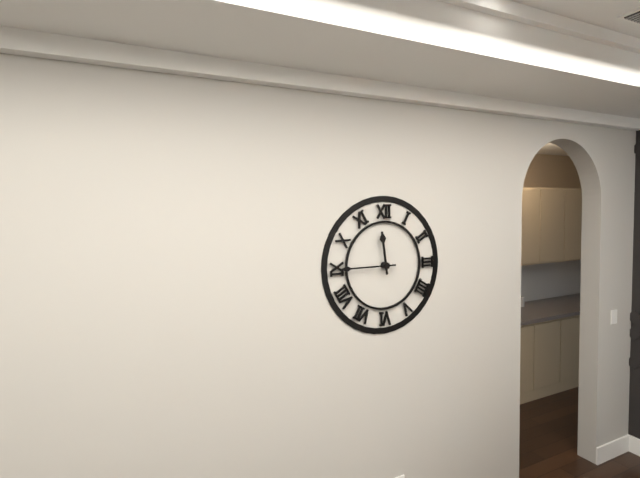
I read 11.45
